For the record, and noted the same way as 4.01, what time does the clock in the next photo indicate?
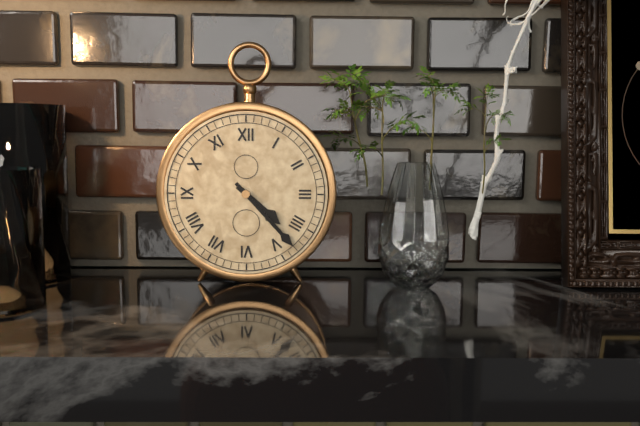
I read 4.23
